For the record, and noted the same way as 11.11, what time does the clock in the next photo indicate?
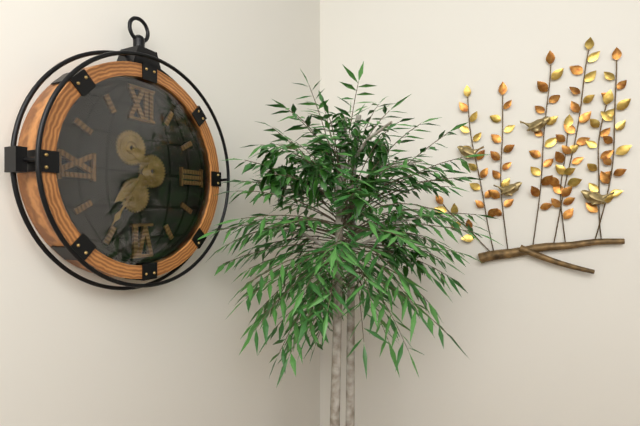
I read 7.36
